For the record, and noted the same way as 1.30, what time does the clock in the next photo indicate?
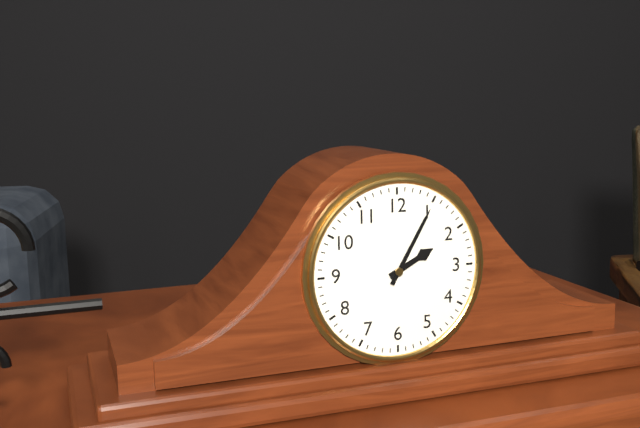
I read 2.05
